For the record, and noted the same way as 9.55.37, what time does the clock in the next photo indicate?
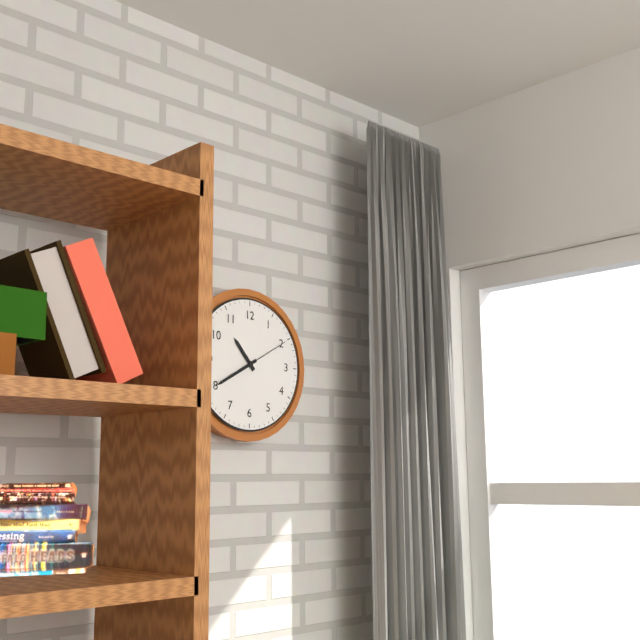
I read 10.40.10
